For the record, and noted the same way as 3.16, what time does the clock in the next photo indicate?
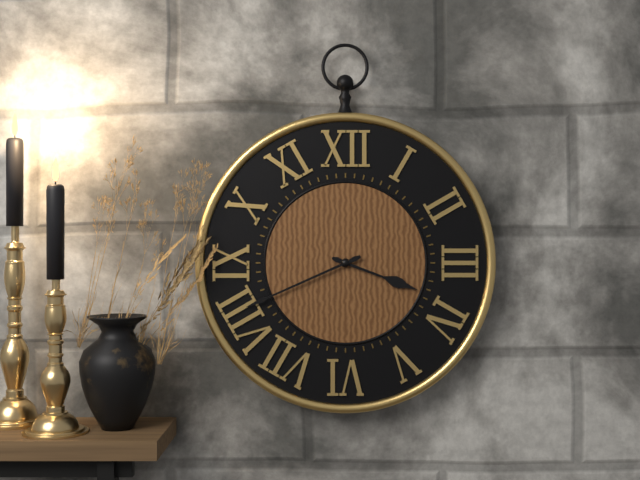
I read 3.41
